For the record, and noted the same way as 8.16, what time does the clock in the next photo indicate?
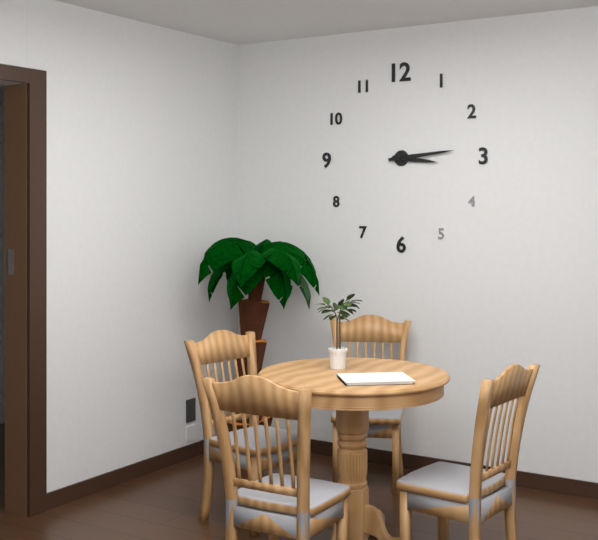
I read 3.14
